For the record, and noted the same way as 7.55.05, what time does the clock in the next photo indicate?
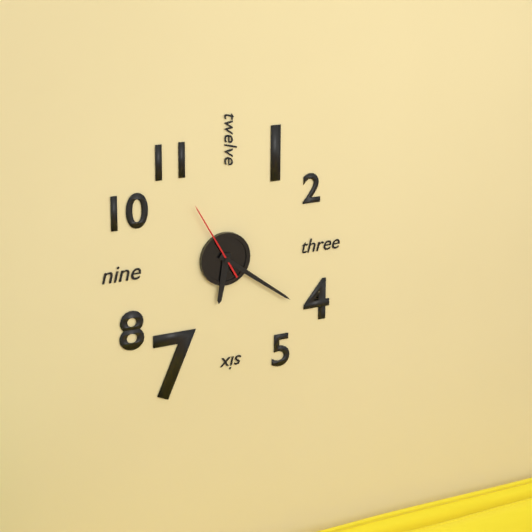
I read 6.21.55
